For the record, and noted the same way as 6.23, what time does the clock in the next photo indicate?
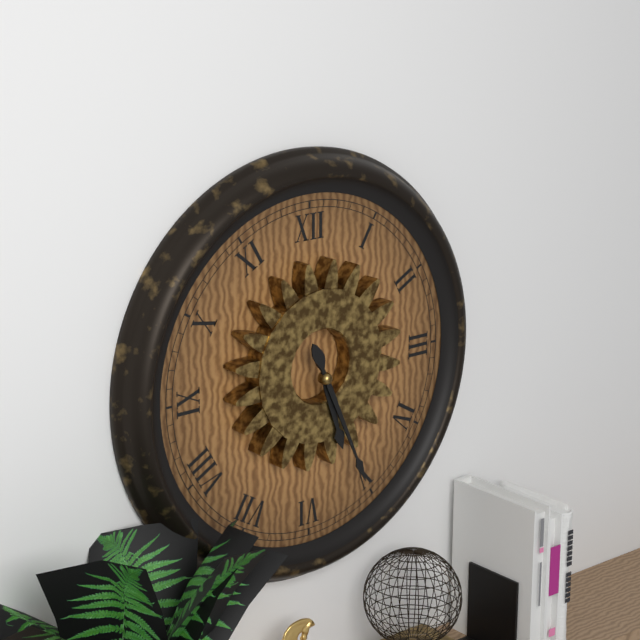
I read 5.26
